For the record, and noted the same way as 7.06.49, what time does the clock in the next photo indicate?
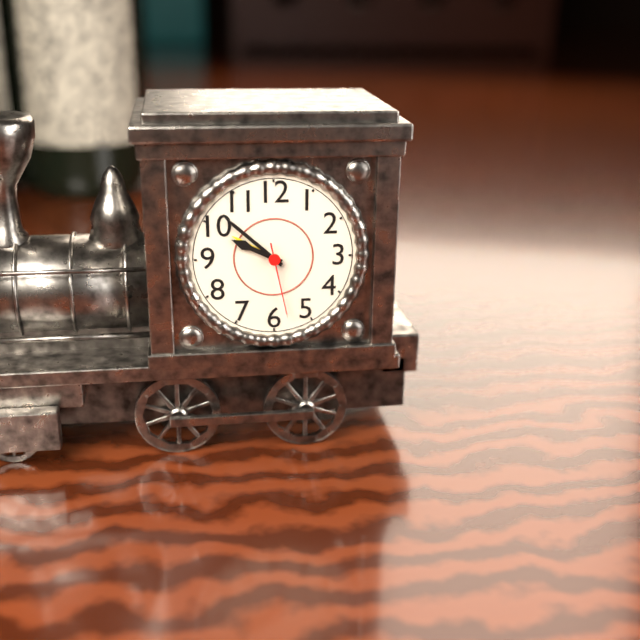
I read 9.52.28
